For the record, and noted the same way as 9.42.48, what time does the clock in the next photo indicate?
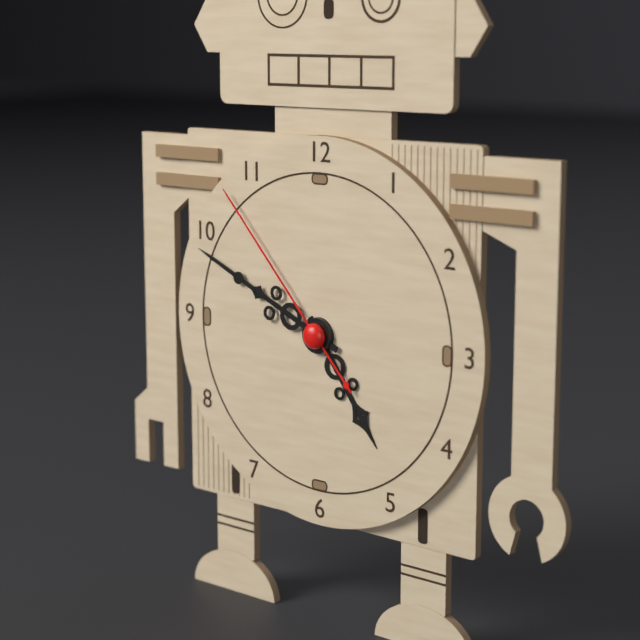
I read 4.49.53
